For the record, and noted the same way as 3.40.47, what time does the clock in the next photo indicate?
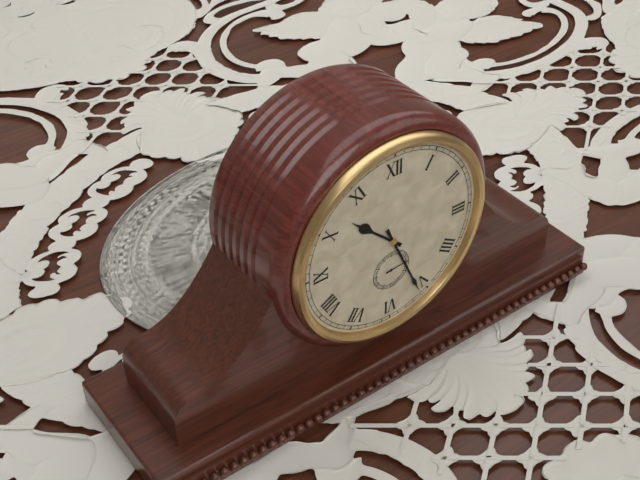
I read 10.26.14
